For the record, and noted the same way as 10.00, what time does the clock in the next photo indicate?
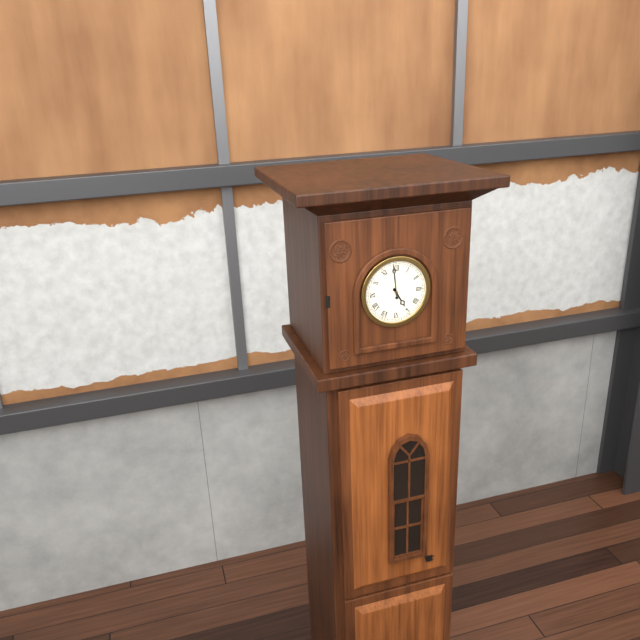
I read 4.59
